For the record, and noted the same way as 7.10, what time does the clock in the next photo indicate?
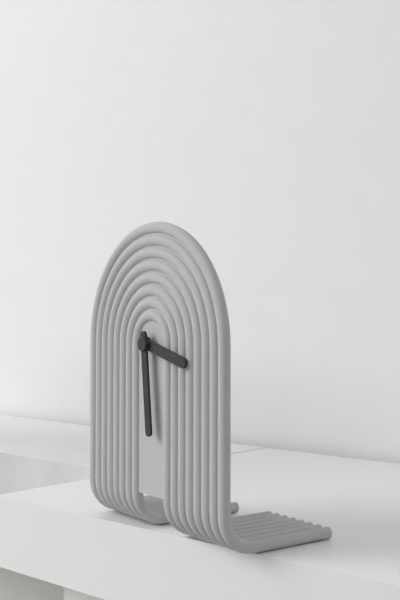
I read 3.29
